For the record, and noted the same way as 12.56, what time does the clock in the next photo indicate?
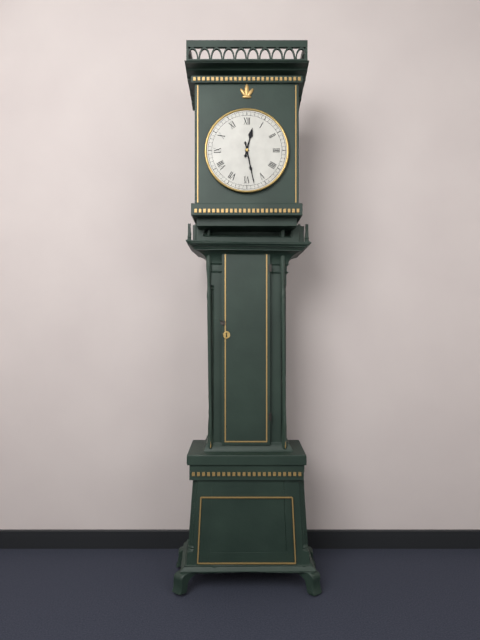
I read 12.28
